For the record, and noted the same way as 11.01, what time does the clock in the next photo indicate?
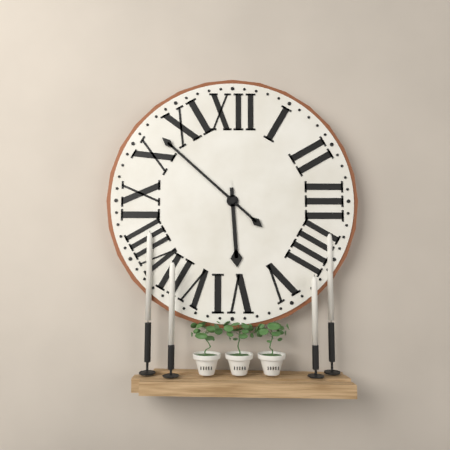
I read 5.52
